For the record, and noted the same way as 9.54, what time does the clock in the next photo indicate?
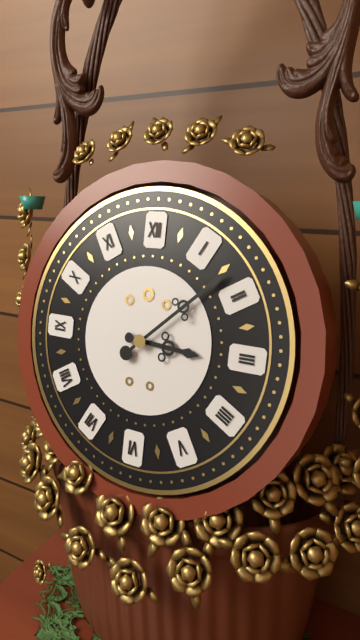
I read 3.08
